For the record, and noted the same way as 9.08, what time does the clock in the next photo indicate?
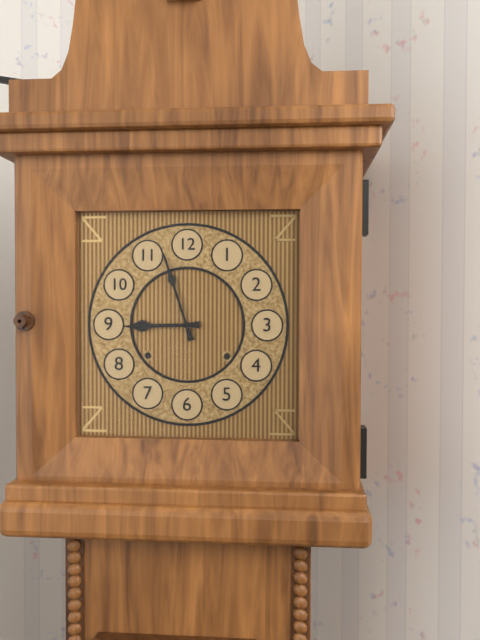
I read 8.57
